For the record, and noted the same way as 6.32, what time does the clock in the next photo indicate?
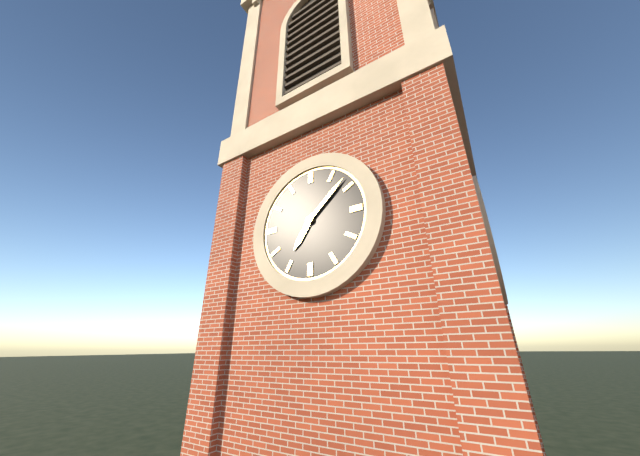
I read 7.08
